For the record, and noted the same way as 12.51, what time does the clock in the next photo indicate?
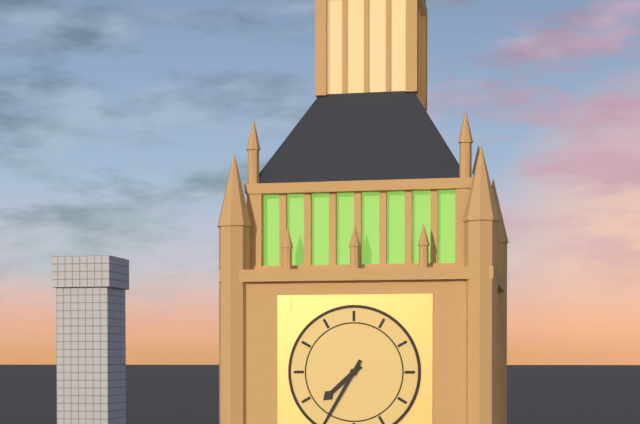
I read 7.35
